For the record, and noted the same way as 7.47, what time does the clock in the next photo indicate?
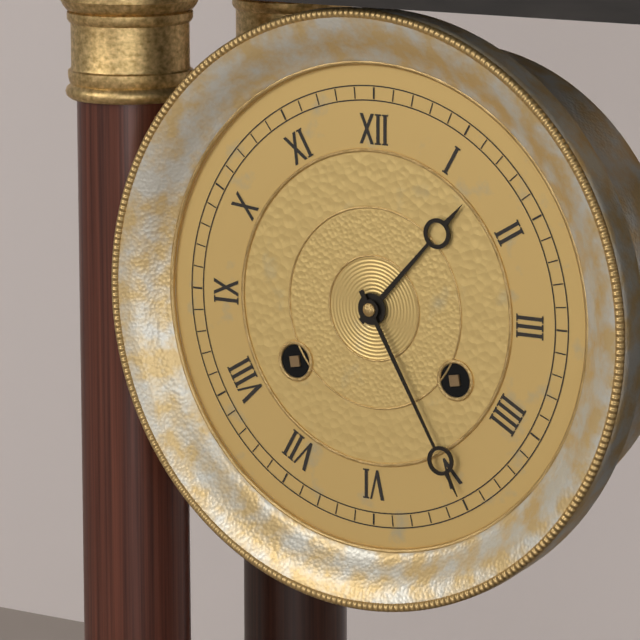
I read 1.25
